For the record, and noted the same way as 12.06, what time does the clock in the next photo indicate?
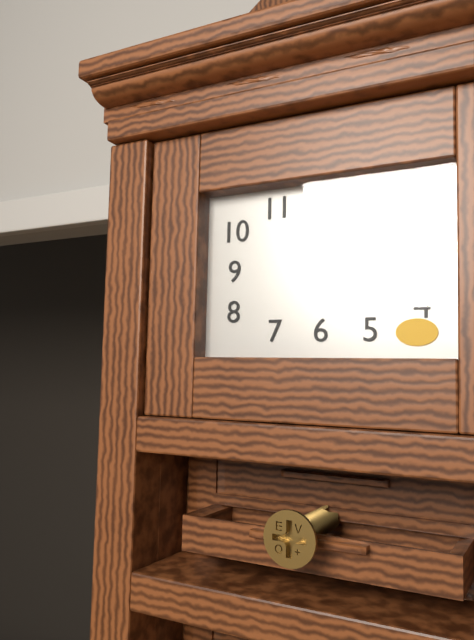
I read 12.01
